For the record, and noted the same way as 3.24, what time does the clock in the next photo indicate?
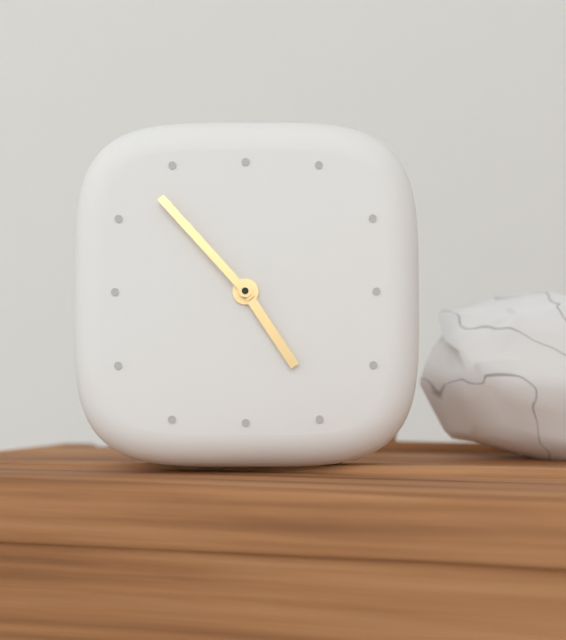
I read 4.53
